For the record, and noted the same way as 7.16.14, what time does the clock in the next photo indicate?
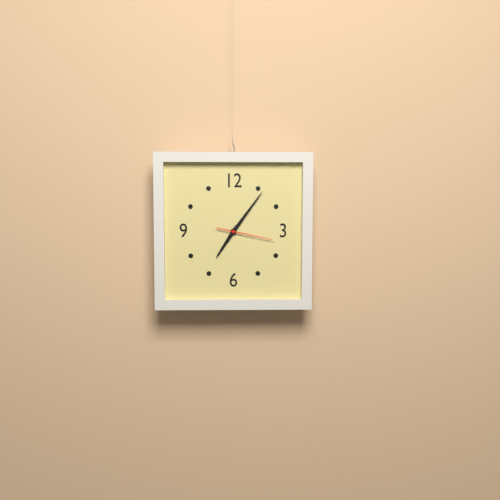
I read 7.06.17
